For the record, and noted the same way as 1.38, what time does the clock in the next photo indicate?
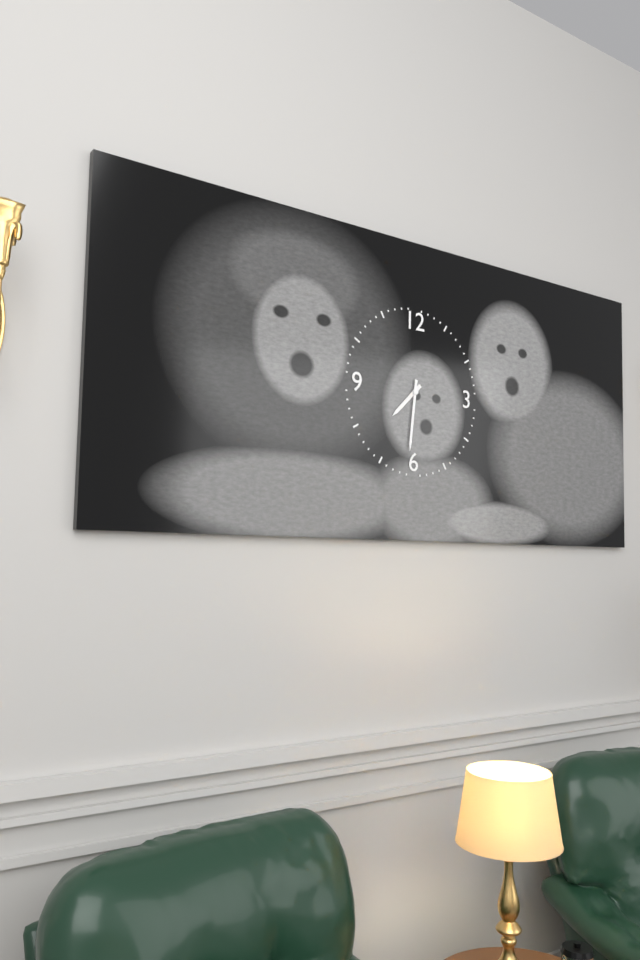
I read 7.31
